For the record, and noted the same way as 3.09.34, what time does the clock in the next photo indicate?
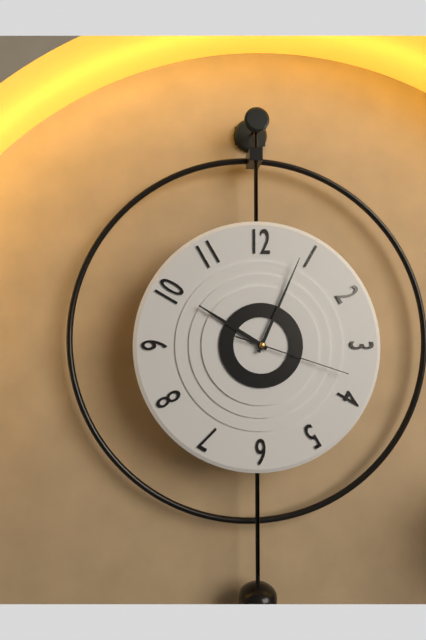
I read 10.04.18
